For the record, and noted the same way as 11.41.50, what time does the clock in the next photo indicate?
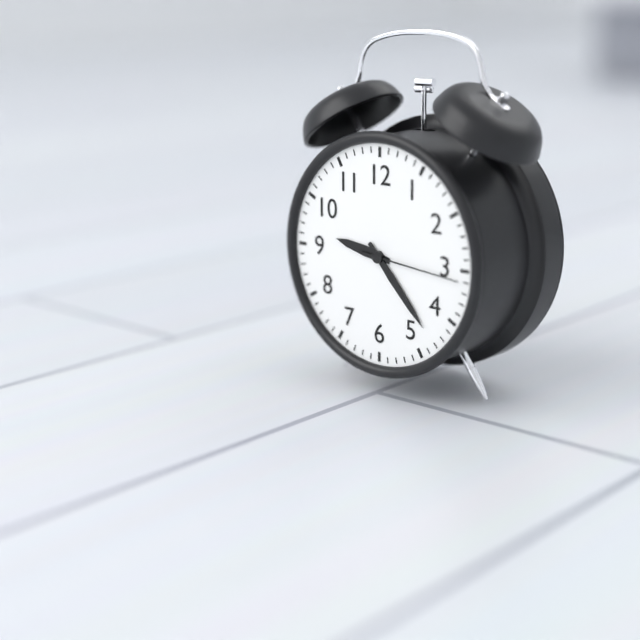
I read 9.23.16
